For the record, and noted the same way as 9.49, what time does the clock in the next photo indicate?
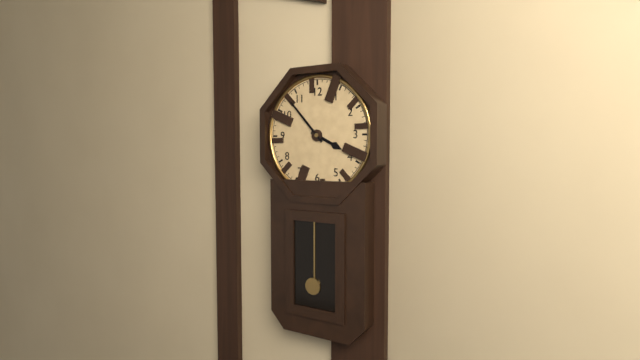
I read 3.53
